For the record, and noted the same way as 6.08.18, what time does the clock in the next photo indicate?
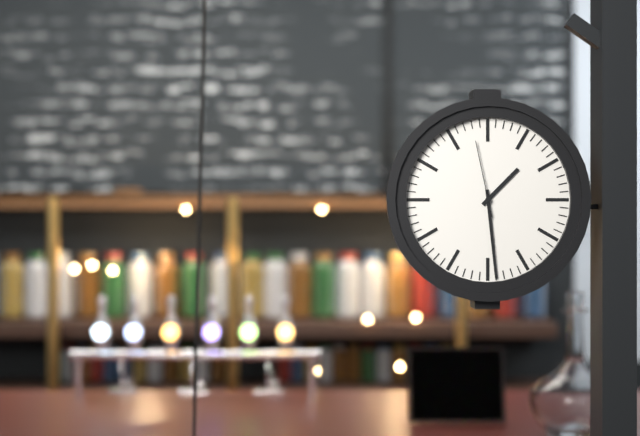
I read 1.29.58
